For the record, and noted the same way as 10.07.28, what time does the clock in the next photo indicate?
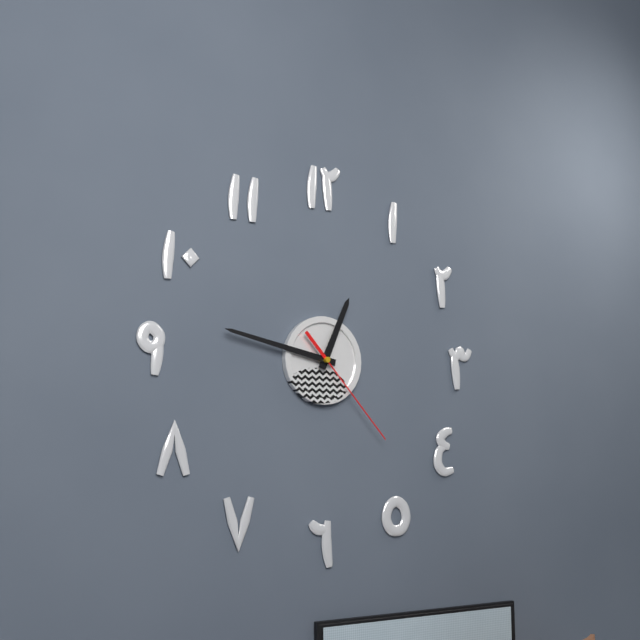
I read 12.47.23
